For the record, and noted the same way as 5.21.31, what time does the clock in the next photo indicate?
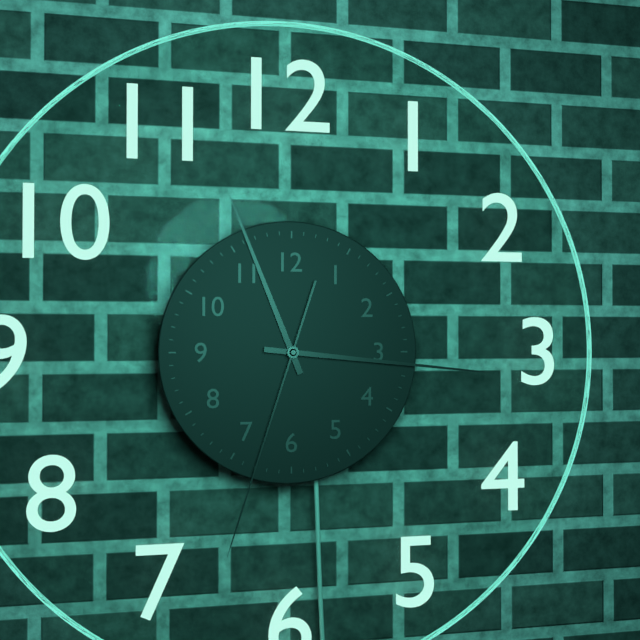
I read 11.16.33
